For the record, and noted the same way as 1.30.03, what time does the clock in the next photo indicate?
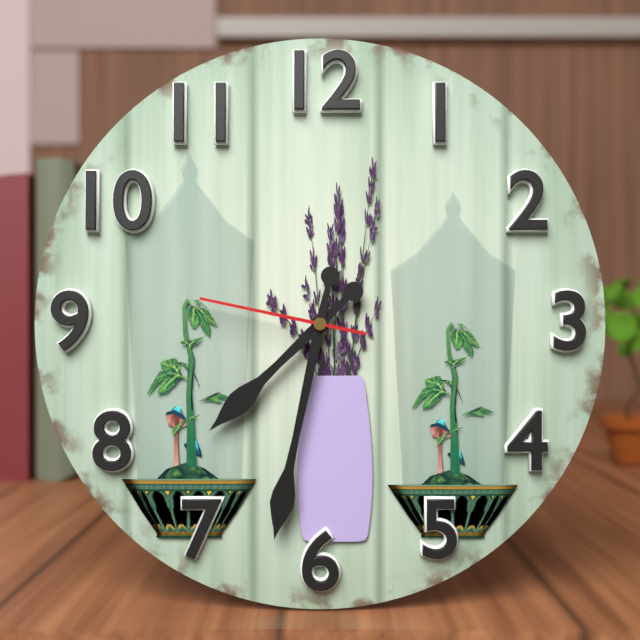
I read 7.32.47
